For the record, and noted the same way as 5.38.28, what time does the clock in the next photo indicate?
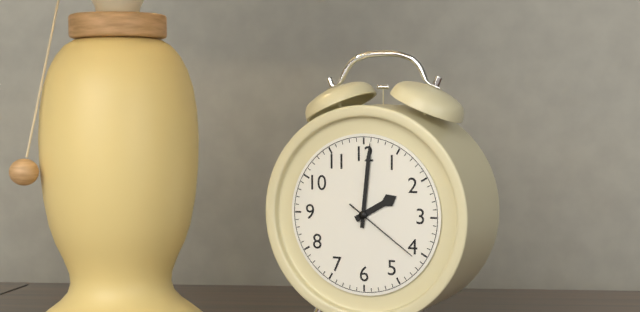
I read 2.01.21
